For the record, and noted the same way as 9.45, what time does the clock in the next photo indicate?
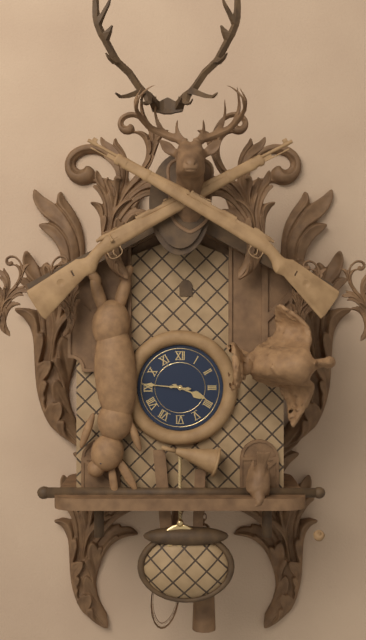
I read 3.46
